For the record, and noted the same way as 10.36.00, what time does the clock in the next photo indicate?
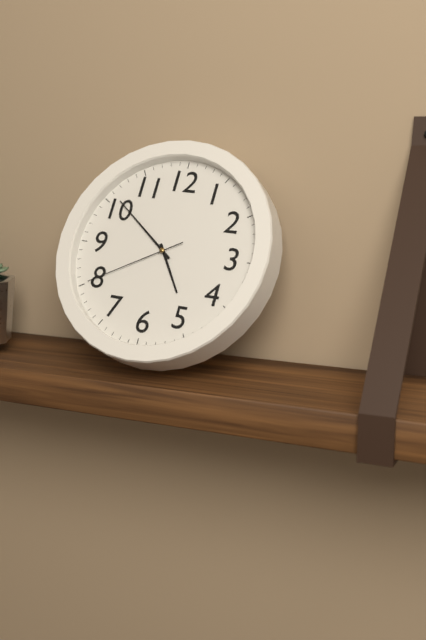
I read 4.51.40
